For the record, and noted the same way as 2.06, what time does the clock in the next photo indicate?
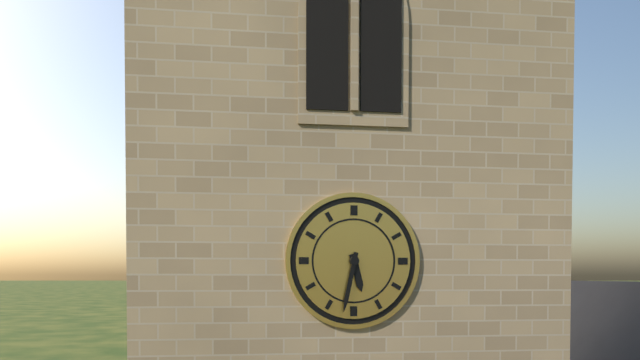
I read 5.32
